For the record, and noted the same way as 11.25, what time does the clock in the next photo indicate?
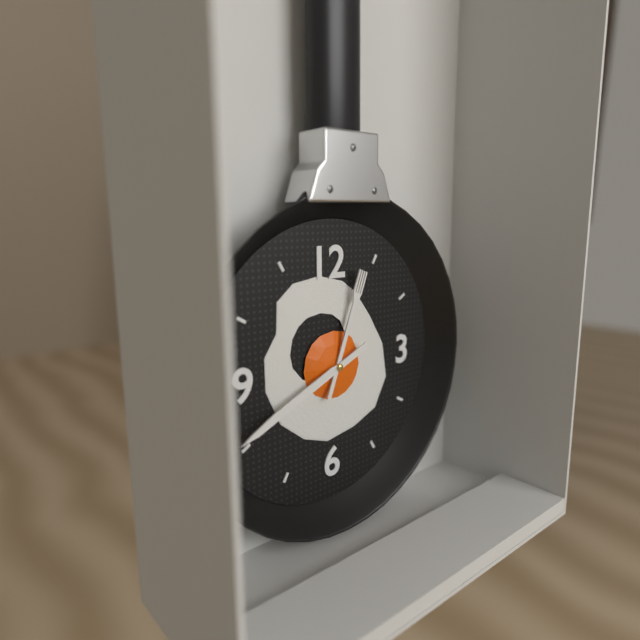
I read 12.41
